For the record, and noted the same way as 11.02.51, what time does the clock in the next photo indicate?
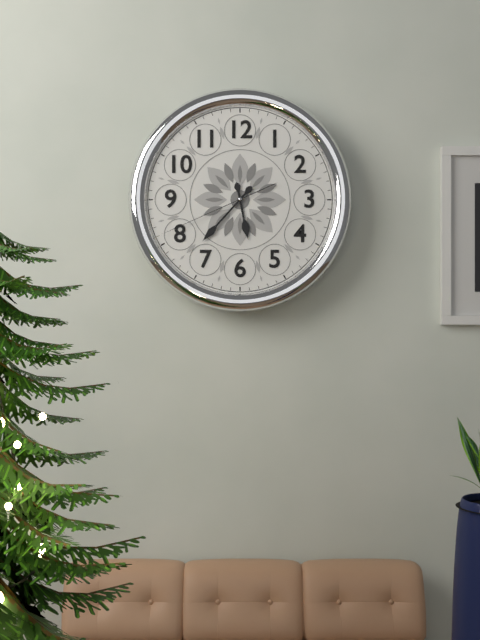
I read 5.37.41
